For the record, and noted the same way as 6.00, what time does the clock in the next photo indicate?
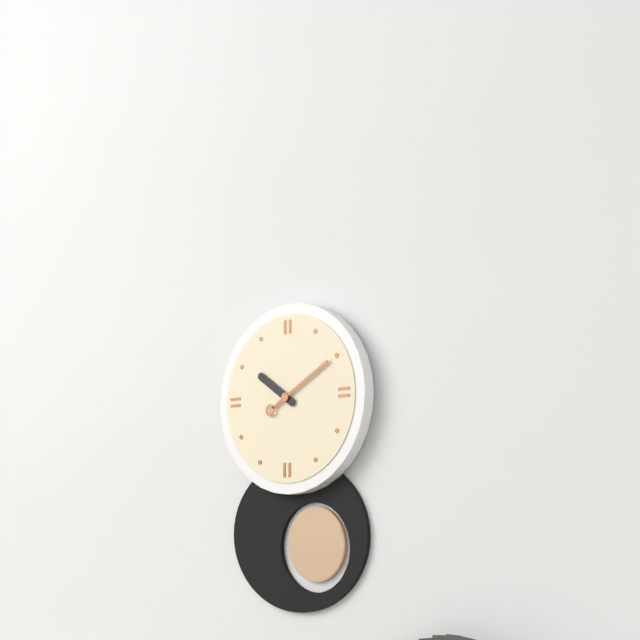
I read 10.10
